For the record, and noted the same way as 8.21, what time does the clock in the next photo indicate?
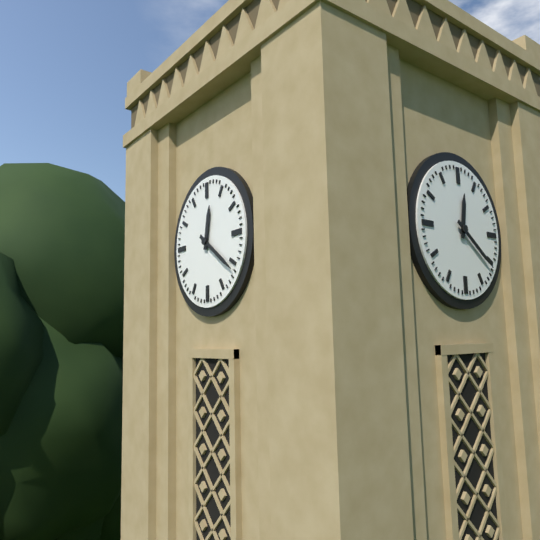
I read 12.21
